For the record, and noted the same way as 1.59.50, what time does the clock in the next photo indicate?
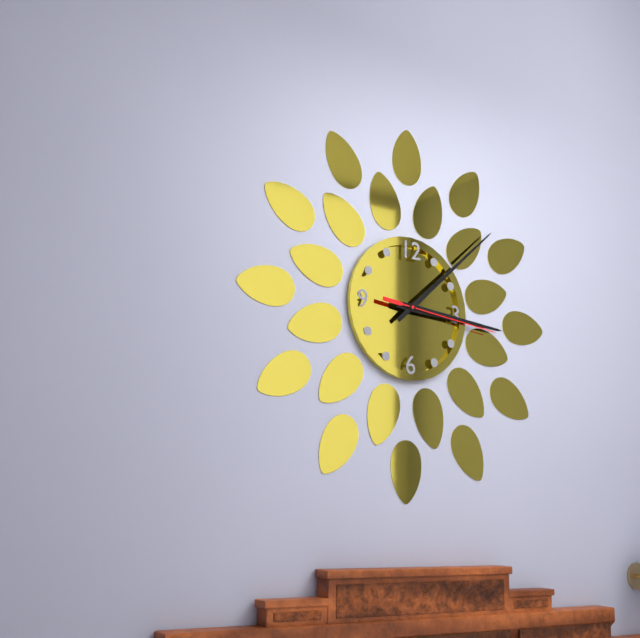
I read 3.08.16
